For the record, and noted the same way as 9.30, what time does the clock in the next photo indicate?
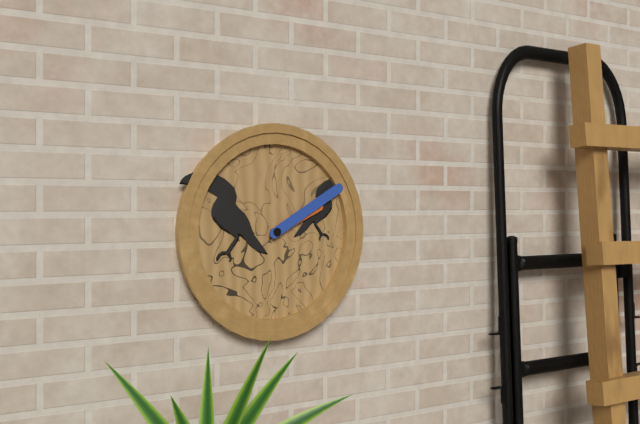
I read 2.10
